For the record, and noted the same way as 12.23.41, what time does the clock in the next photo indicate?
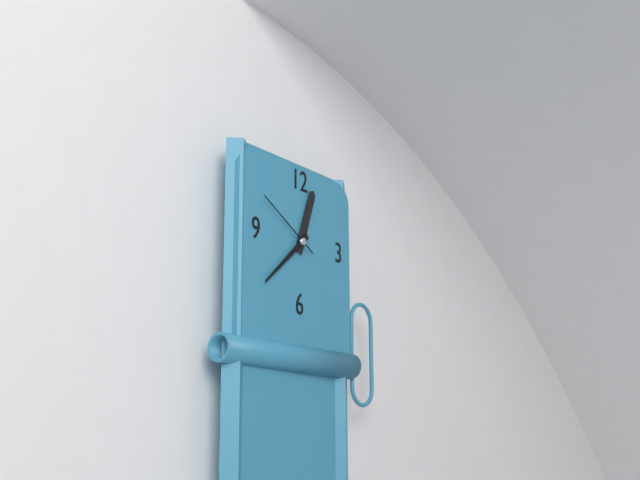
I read 12.38.50
